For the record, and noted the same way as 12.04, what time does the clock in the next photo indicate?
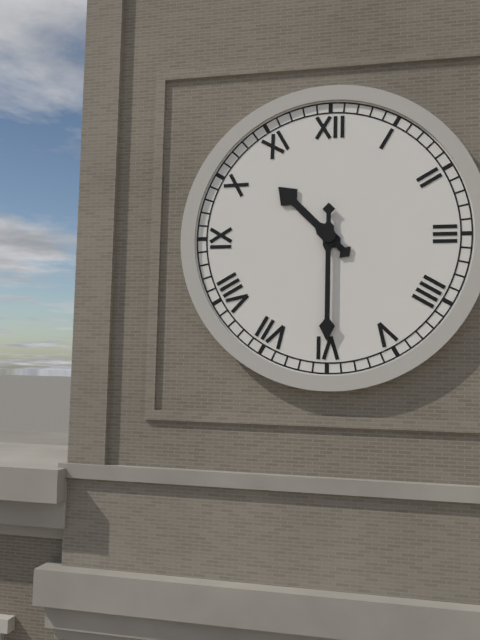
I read 10.30
